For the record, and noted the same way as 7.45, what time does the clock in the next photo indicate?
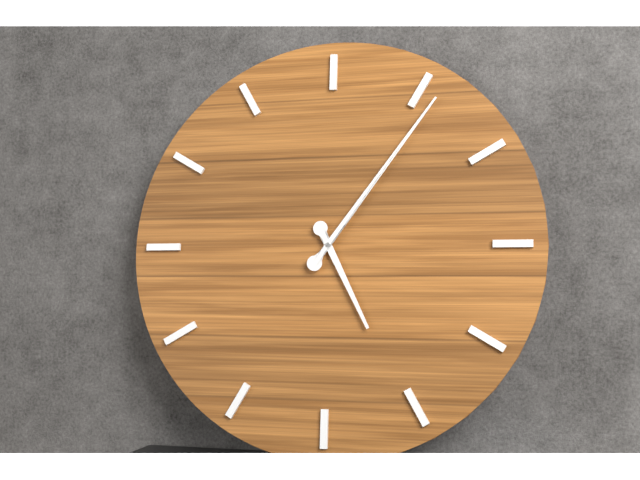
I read 5.06
